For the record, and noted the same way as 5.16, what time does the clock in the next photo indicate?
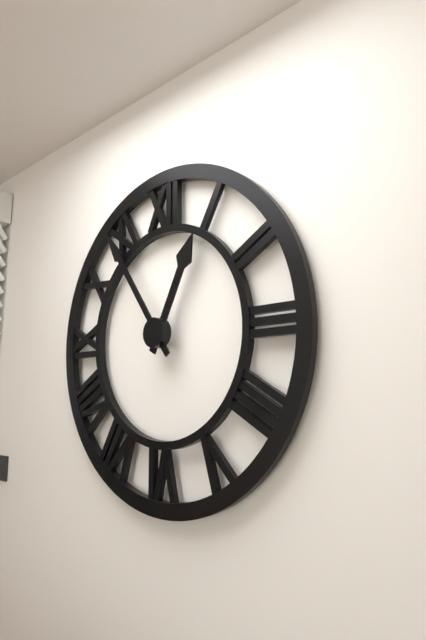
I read 12.54
